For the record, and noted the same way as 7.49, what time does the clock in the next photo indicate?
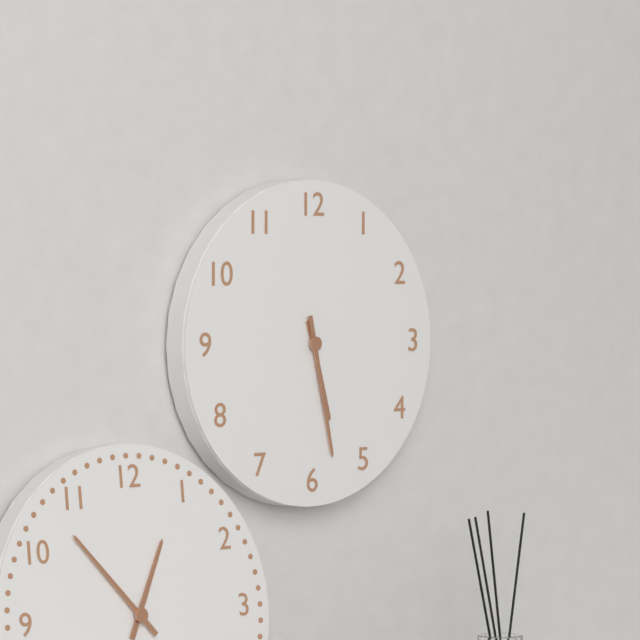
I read 5.28
